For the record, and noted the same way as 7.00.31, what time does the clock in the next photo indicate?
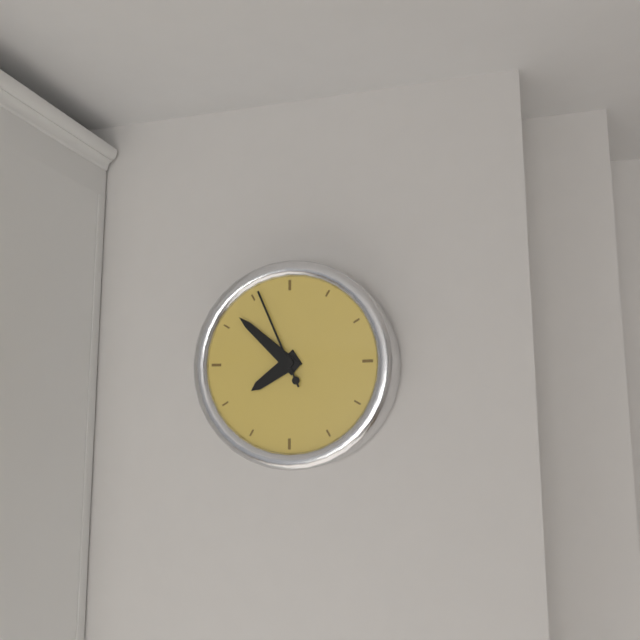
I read 7.52.56
